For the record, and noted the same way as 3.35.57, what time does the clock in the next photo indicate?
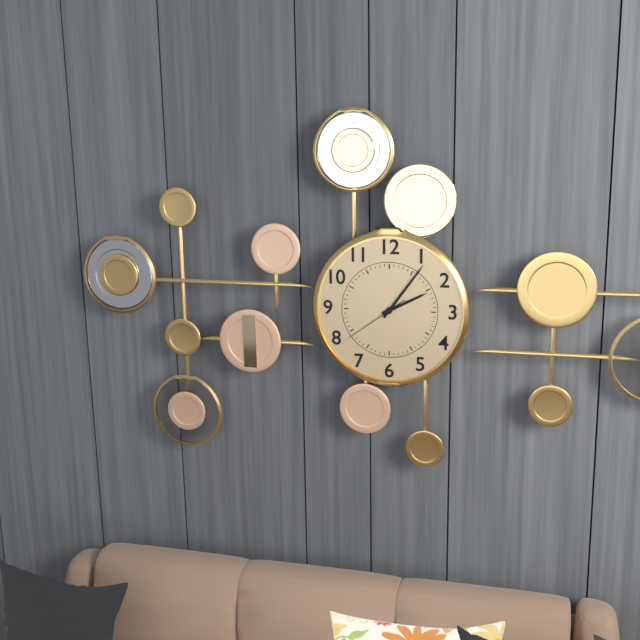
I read 2.06.39
